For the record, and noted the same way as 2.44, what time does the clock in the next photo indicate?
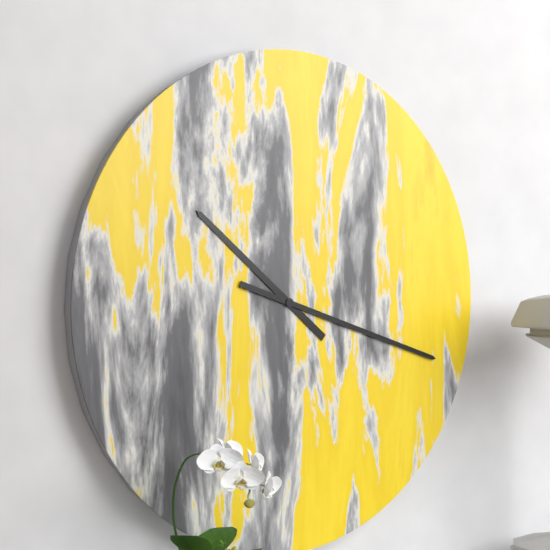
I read 10.18
